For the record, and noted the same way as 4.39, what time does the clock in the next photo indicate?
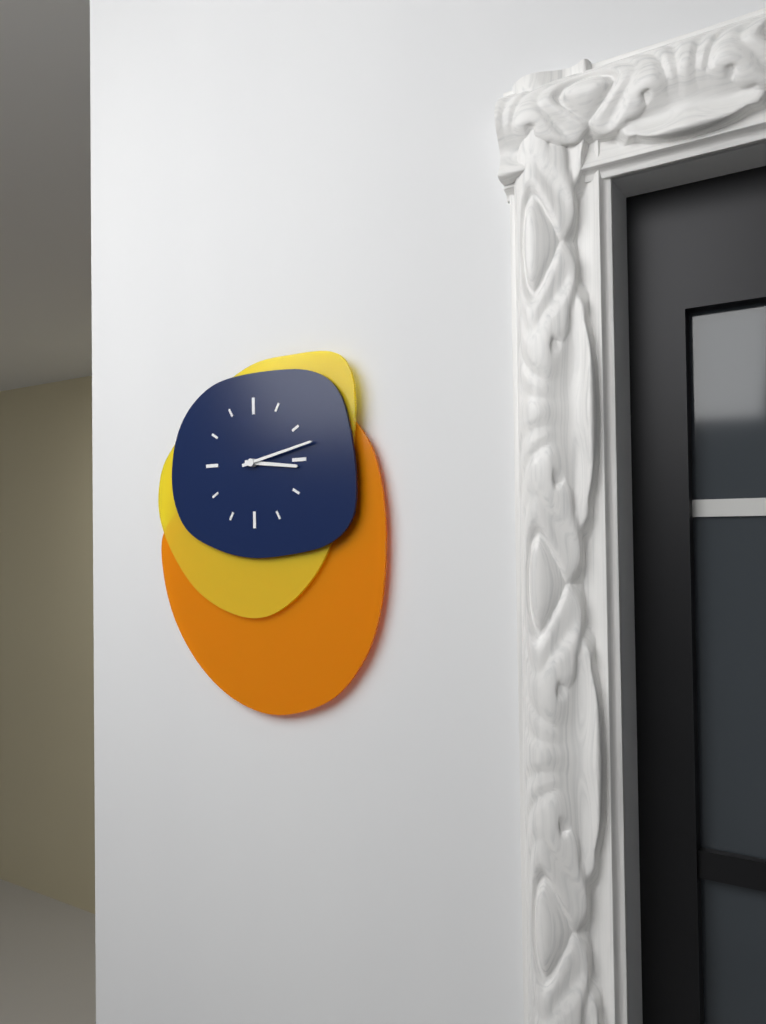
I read 3.13
